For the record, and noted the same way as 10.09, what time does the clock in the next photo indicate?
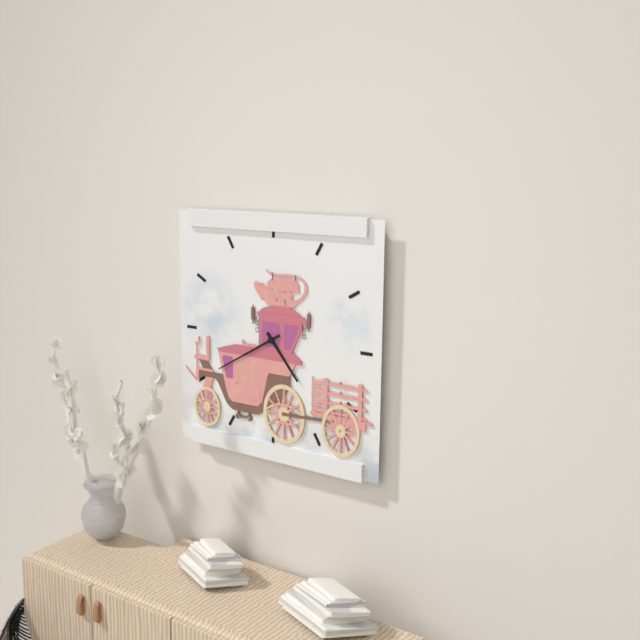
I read 4.40
